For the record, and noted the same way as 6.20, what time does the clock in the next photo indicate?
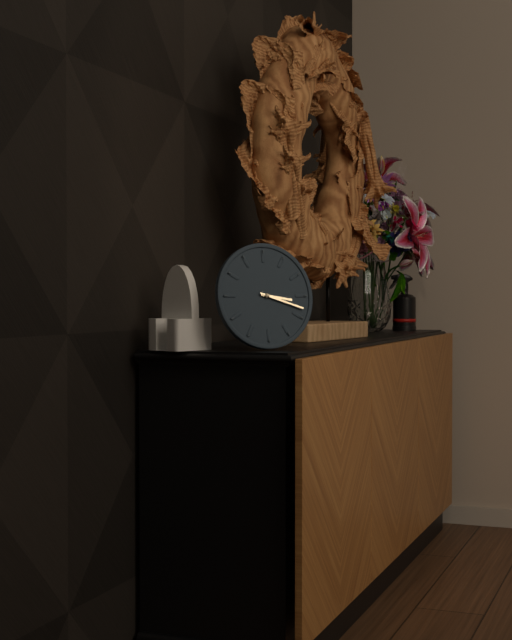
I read 3.18
